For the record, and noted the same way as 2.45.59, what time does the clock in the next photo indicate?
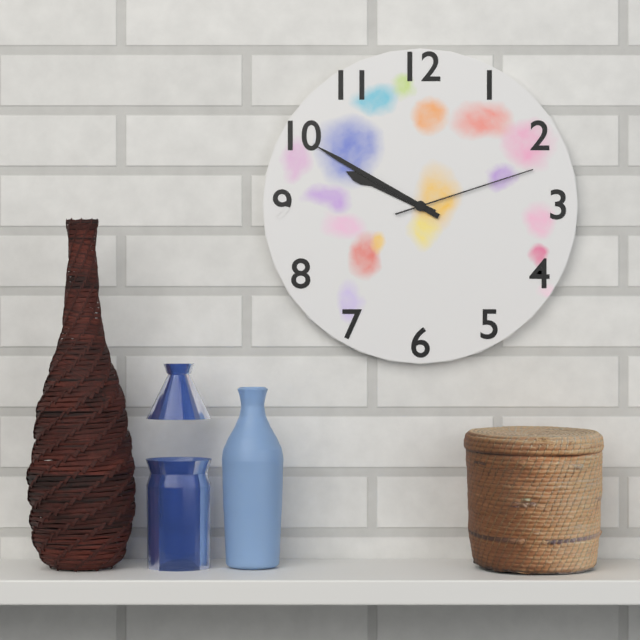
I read 9.50.12
